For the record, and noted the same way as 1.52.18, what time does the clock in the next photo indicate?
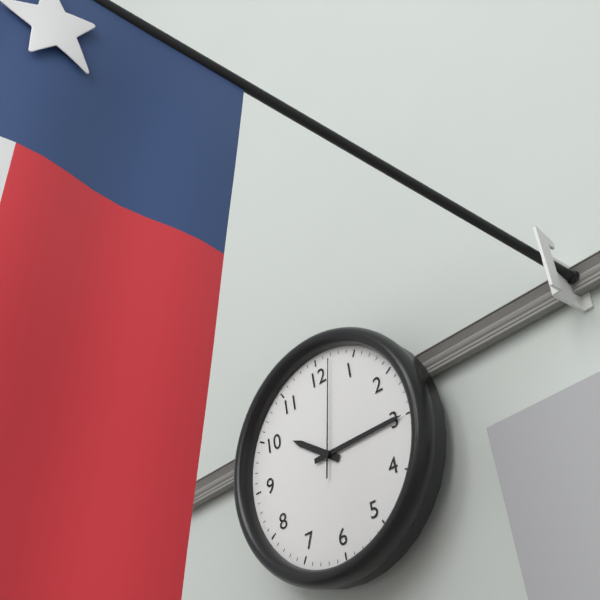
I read 10.15.02
